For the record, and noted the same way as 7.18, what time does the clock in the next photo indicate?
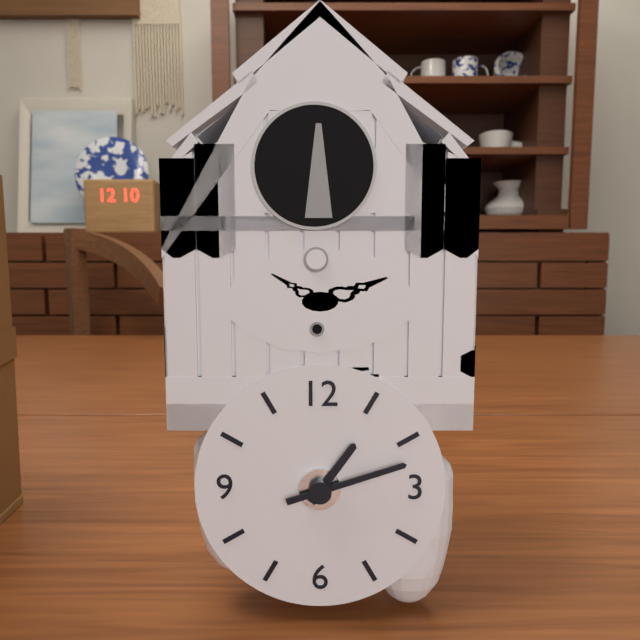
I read 1.12
